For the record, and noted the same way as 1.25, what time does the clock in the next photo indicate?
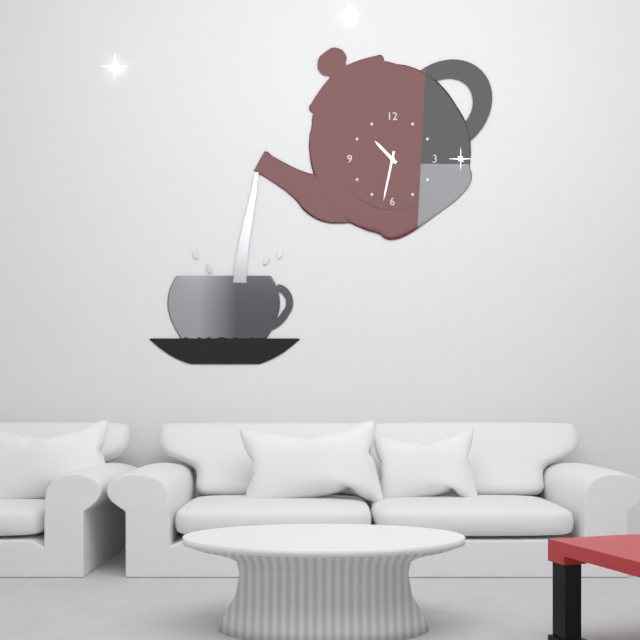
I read 10.32
